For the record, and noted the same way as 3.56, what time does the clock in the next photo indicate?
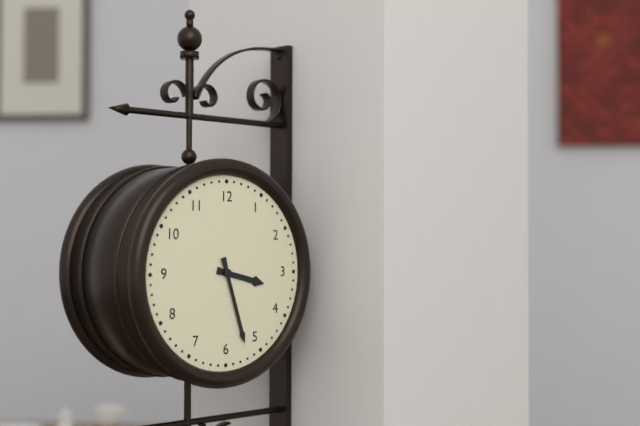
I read 3.27
